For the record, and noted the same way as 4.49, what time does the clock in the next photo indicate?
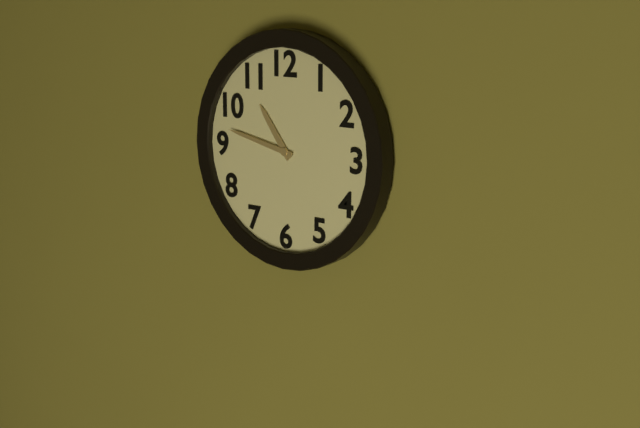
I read 10.47
